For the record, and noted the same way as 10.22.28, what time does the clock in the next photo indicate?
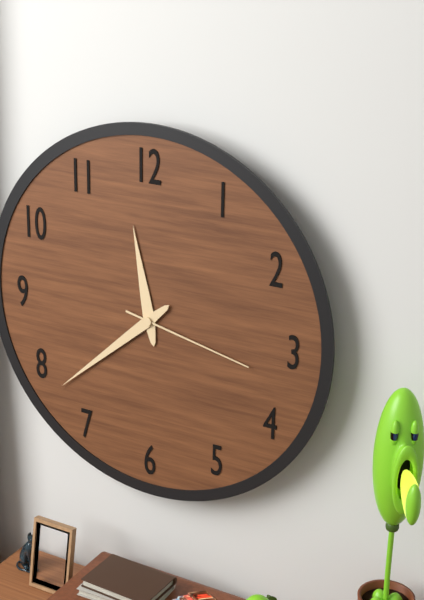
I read 11.38.17
